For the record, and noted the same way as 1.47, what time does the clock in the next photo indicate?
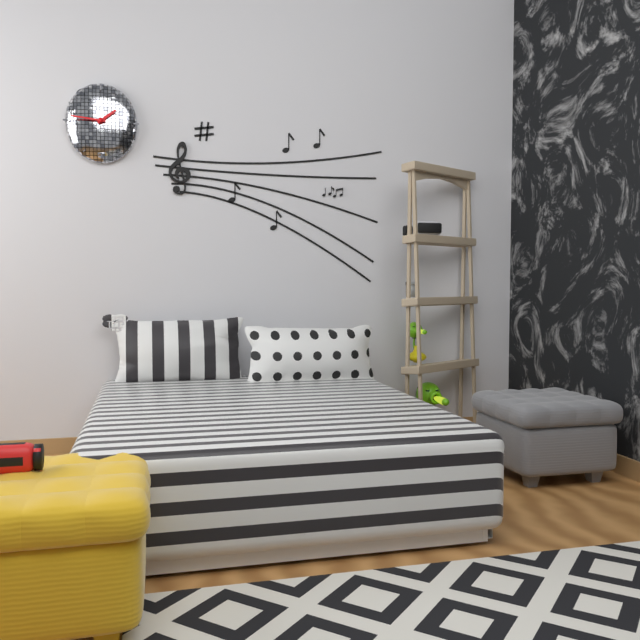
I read 1.46
